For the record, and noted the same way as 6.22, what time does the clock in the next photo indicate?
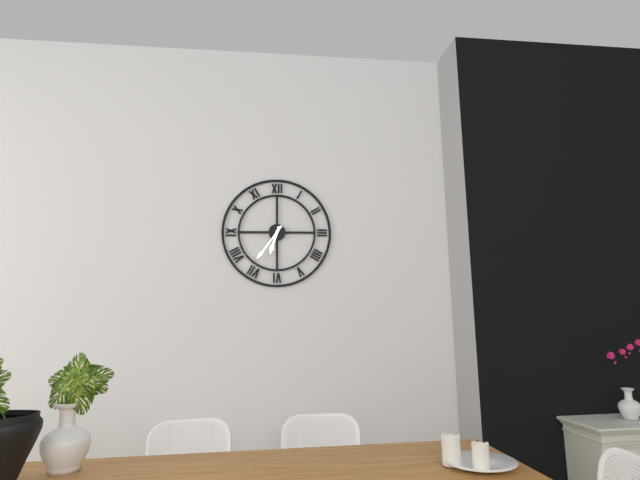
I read 6.36
